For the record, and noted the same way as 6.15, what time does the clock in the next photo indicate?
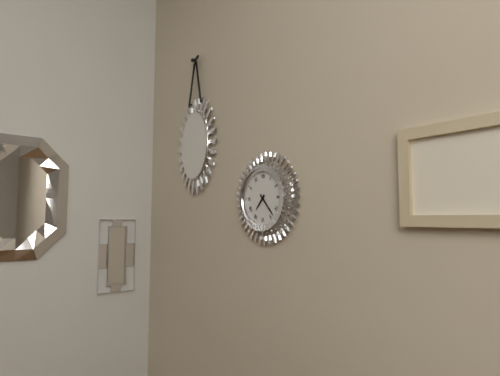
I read 7.23
